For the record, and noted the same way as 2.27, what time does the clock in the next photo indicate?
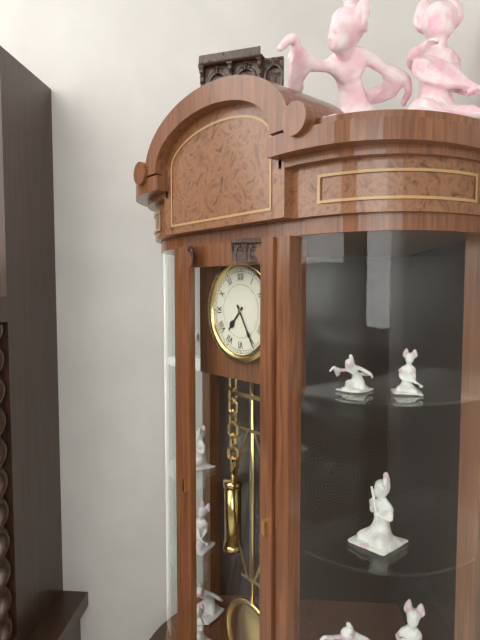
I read 7.25
